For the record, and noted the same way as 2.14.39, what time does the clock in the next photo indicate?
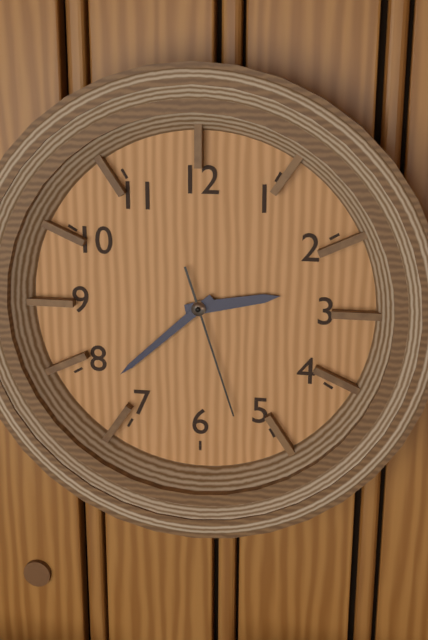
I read 2.38.27
